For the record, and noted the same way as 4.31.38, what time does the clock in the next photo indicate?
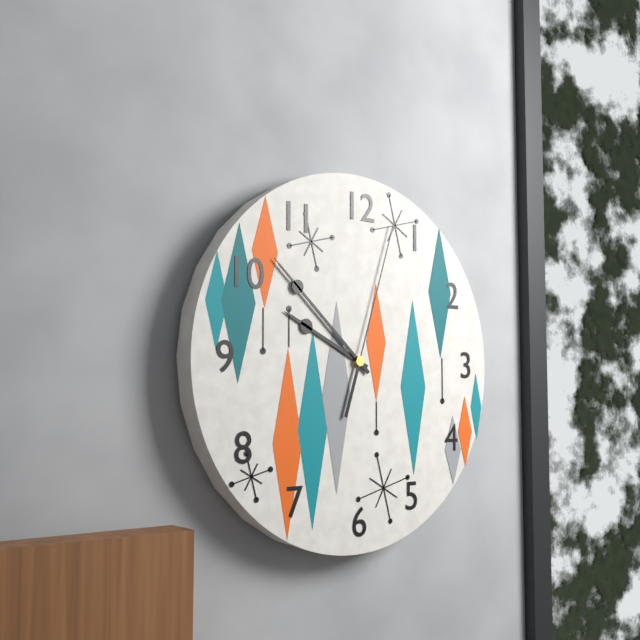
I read 9.52.03
